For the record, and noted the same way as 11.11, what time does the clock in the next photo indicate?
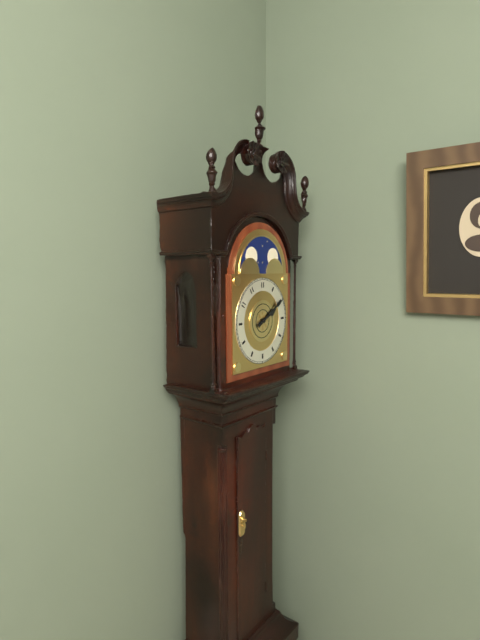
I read 2.10
